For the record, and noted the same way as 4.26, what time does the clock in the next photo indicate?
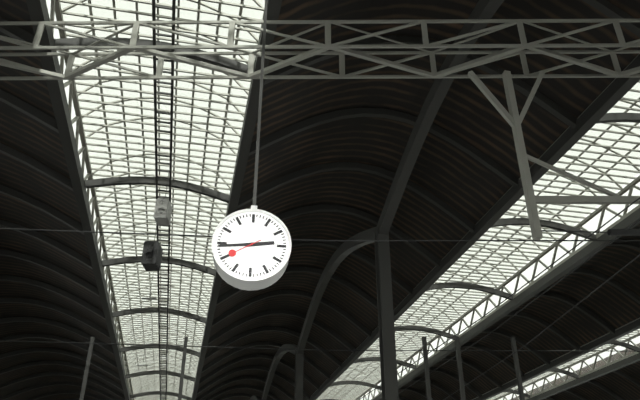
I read 2.44
